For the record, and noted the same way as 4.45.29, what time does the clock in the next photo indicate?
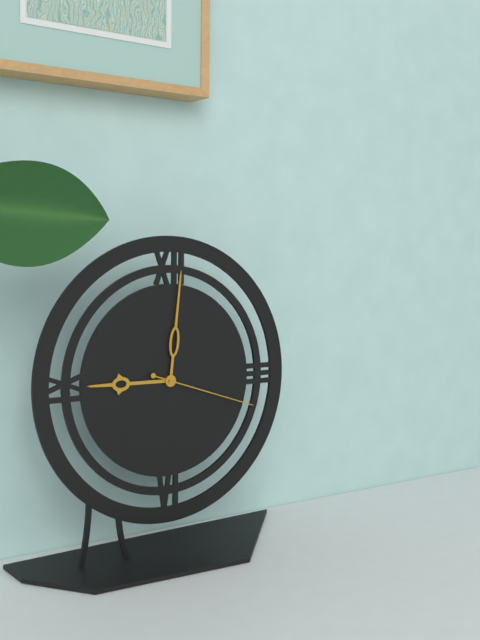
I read 9.01.18
